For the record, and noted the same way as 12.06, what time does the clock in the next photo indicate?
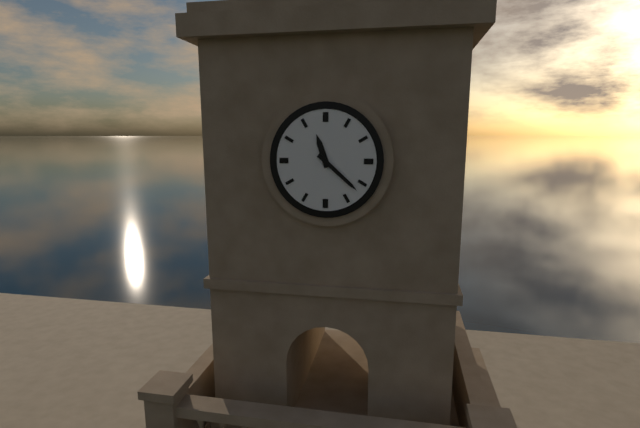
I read 11.22
